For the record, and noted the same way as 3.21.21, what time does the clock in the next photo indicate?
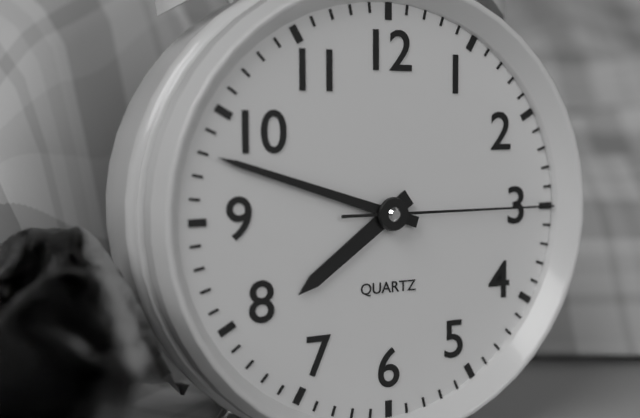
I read 7.48.15
